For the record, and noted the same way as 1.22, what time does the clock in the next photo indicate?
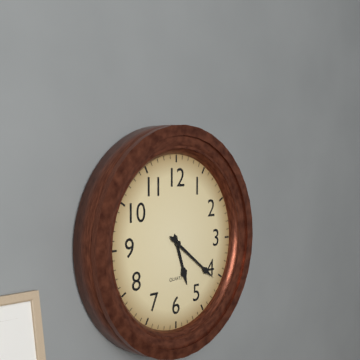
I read 5.21
